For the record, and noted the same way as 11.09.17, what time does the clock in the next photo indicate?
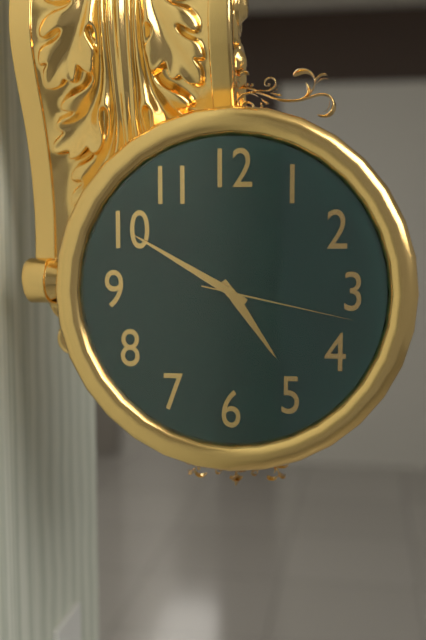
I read 4.50.17
